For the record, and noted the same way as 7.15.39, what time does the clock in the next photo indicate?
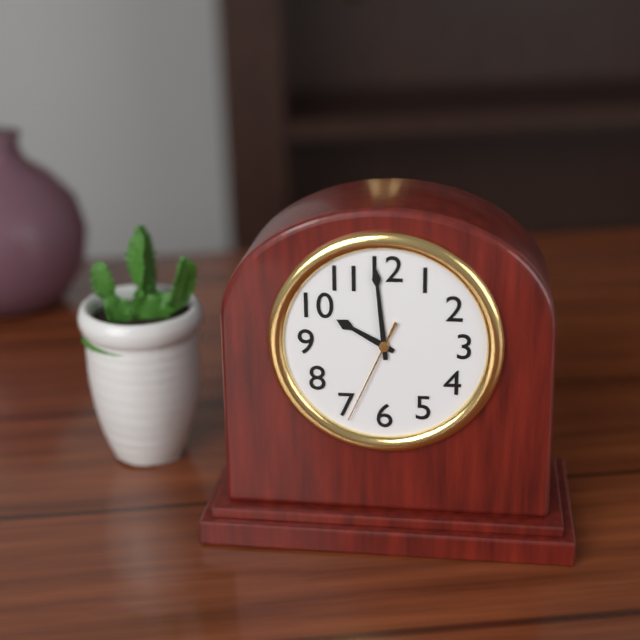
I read 9.59.34
